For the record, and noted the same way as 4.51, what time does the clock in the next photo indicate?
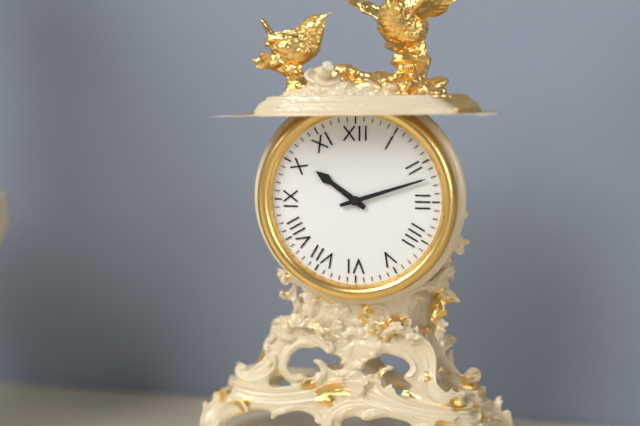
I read 10.12
